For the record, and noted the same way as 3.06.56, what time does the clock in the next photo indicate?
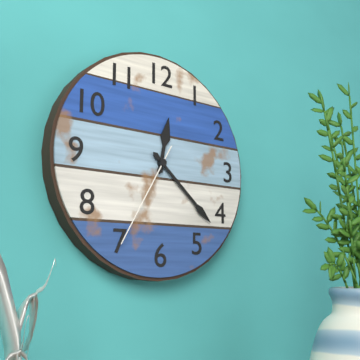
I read 12.22.35
